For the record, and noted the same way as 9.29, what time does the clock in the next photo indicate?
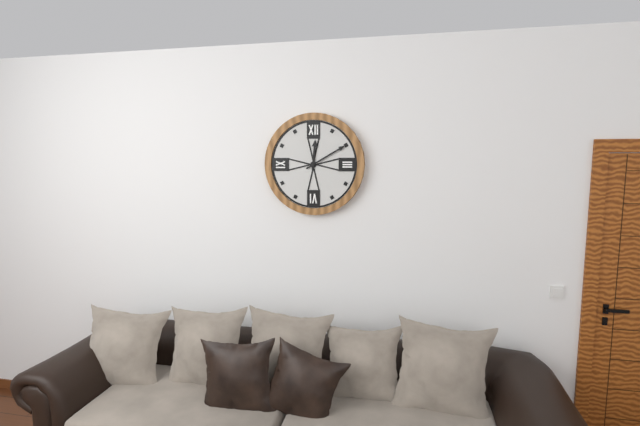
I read 12.10
